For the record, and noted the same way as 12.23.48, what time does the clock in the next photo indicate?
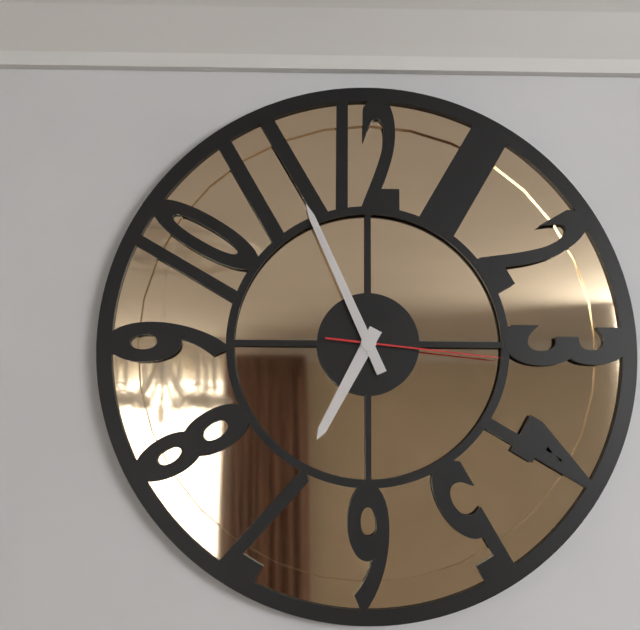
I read 6.56.16
